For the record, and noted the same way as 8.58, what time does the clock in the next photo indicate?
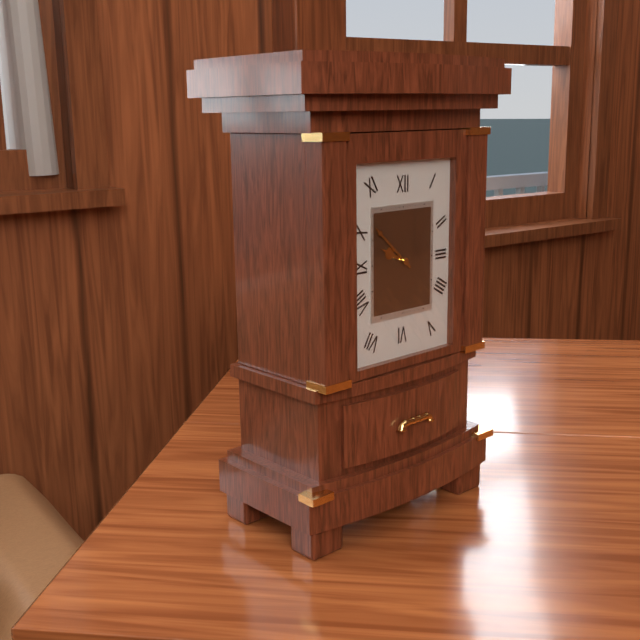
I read 9.52
